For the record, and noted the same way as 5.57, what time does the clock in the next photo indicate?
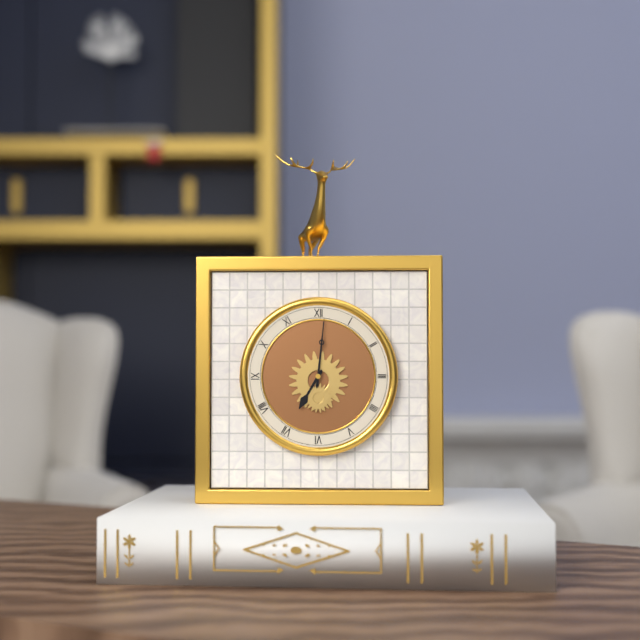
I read 7.01
